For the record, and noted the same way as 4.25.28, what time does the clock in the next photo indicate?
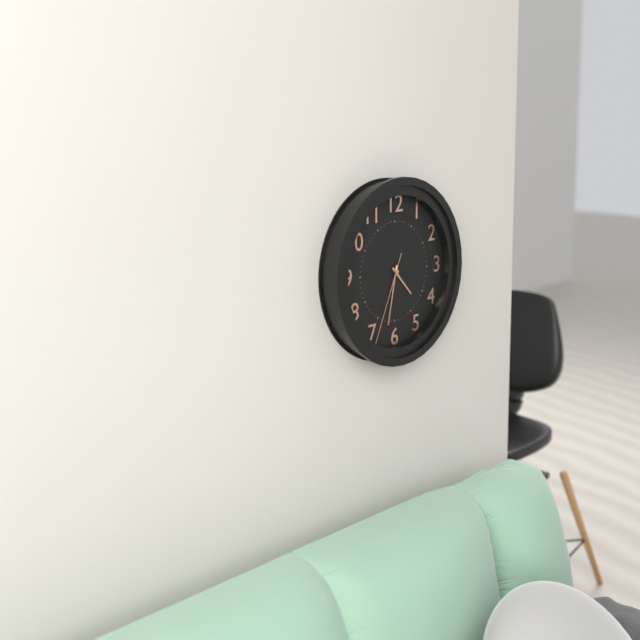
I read 4.32.34
